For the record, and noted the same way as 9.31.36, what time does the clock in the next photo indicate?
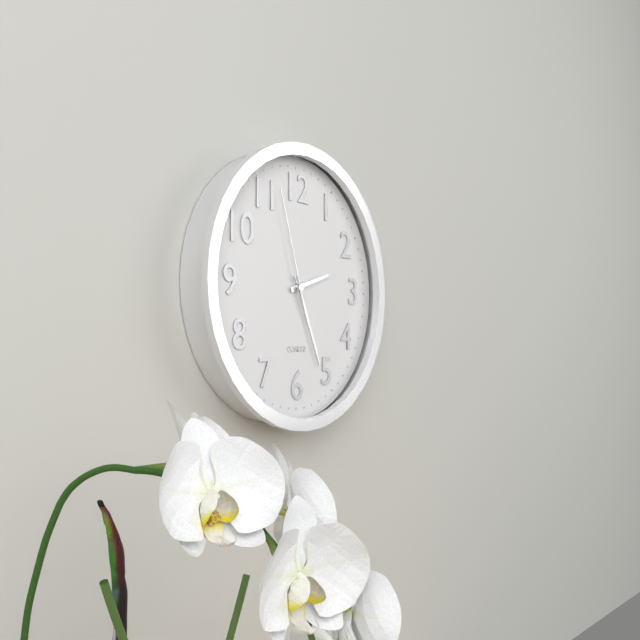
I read 2.26.57
